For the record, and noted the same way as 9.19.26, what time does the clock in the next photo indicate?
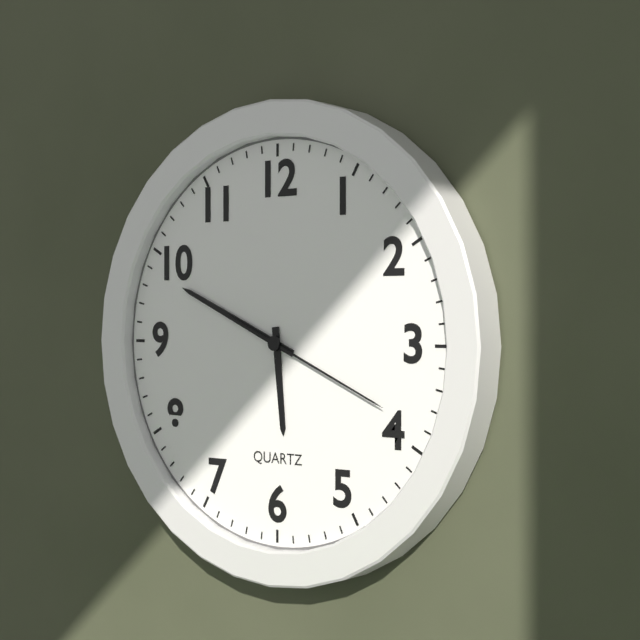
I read 5.49.19
